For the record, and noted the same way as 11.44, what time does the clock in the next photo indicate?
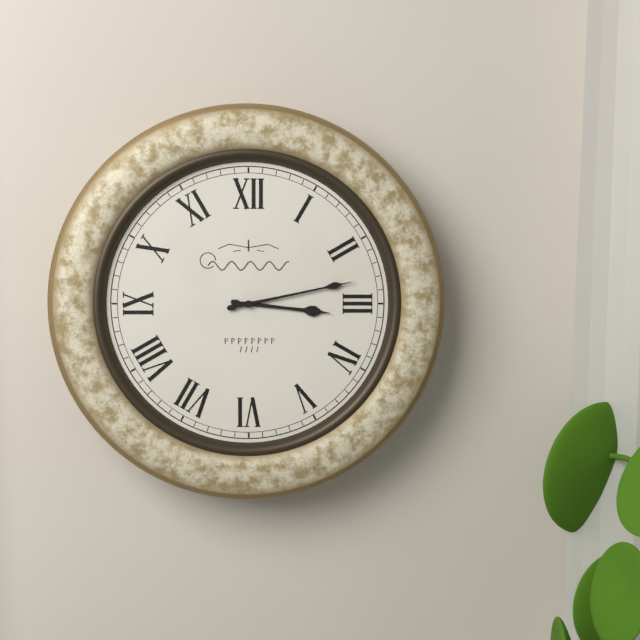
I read 3.13
